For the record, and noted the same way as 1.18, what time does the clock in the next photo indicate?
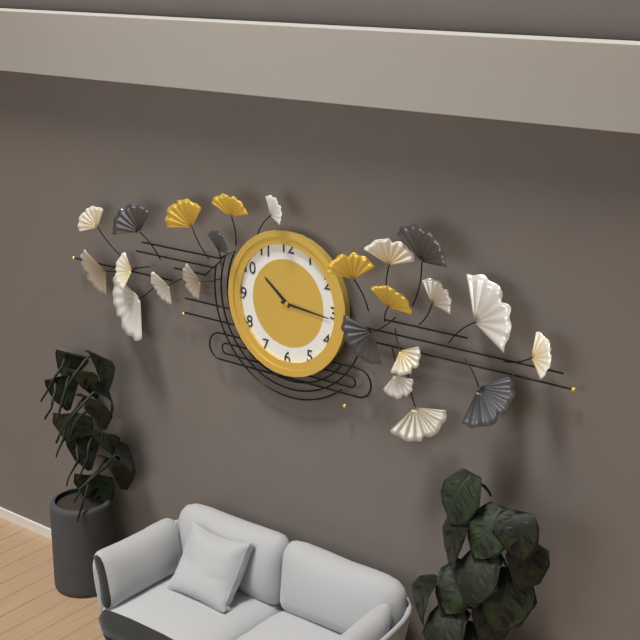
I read 10.16
